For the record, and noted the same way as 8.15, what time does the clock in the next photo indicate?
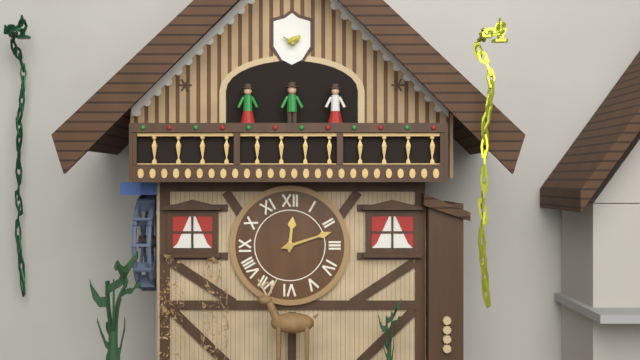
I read 12.12
